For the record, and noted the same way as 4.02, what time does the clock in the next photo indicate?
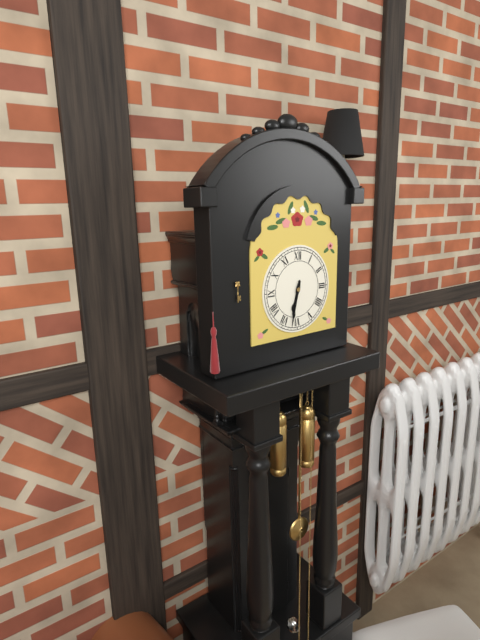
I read 6.32
